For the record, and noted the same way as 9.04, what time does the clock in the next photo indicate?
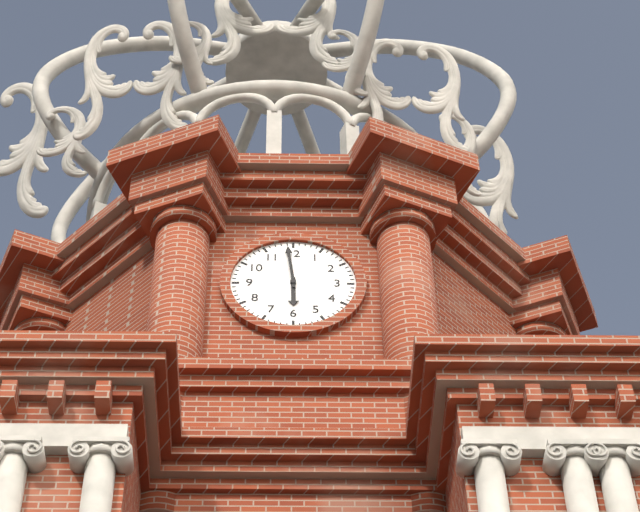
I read 5.59
